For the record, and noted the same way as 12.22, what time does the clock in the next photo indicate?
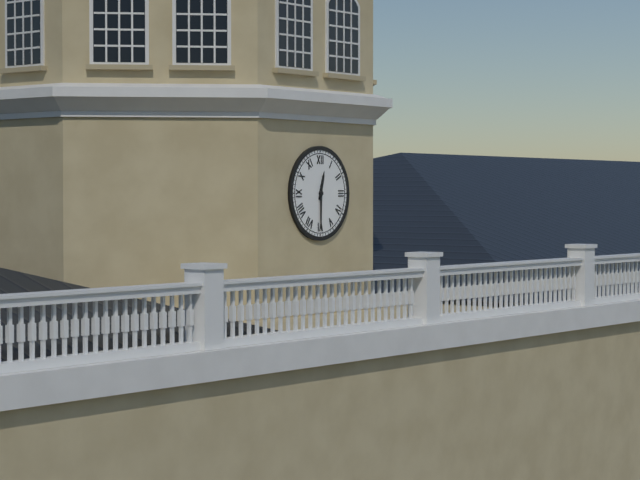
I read 12.30
